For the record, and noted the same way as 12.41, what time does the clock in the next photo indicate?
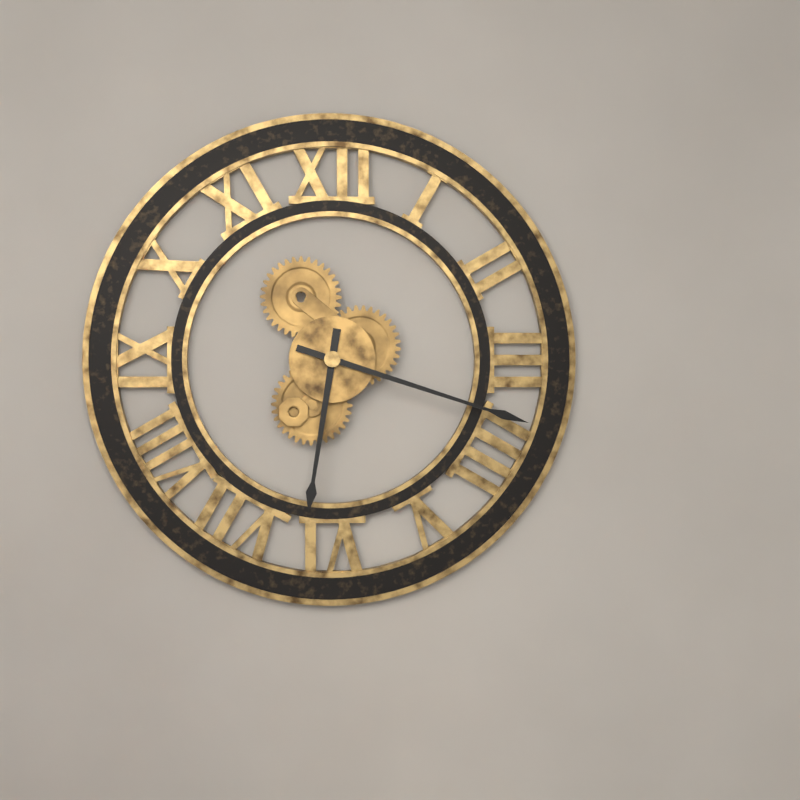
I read 6.18
